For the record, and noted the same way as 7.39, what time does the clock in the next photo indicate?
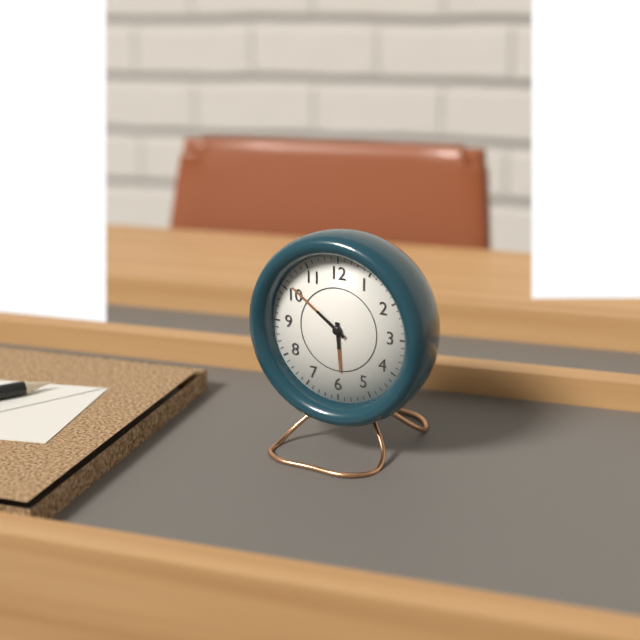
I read 5.51
